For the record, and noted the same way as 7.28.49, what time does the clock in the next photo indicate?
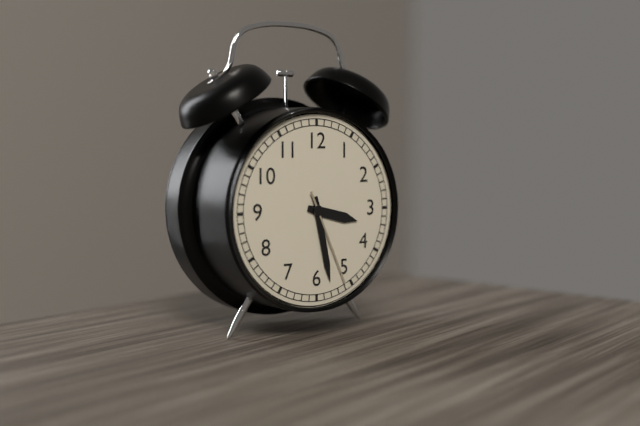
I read 3.28.26
